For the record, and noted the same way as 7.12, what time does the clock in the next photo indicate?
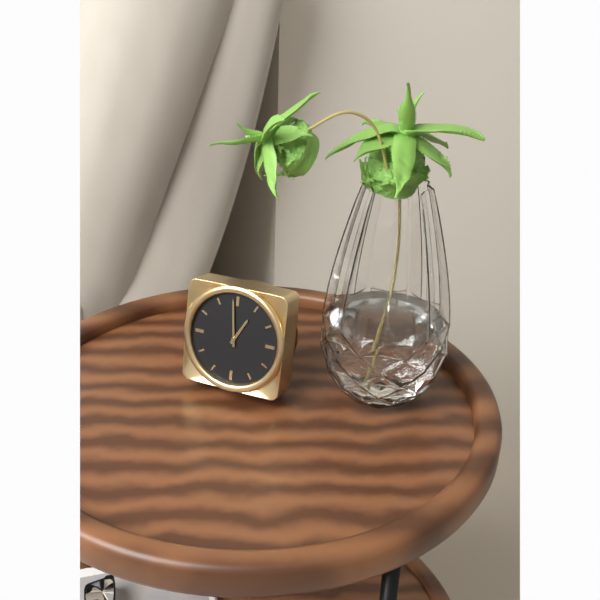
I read 12.59
